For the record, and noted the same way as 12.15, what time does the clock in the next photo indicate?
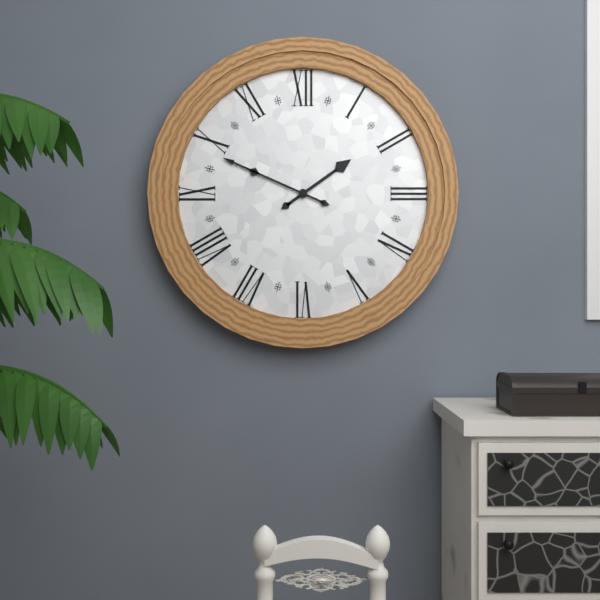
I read 1.49
